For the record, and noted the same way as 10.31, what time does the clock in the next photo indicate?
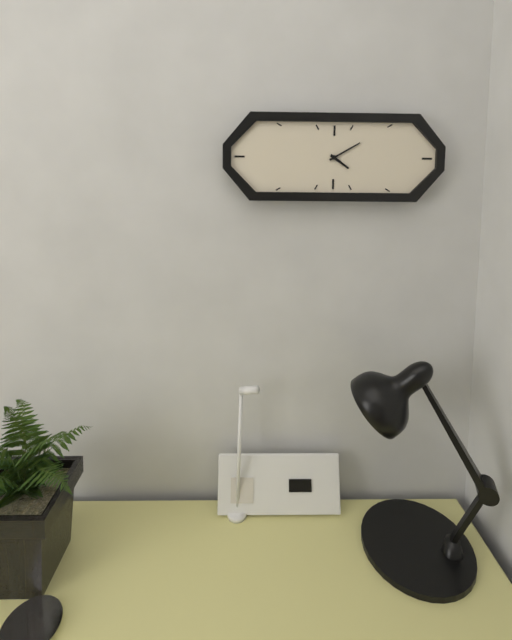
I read 4.10
